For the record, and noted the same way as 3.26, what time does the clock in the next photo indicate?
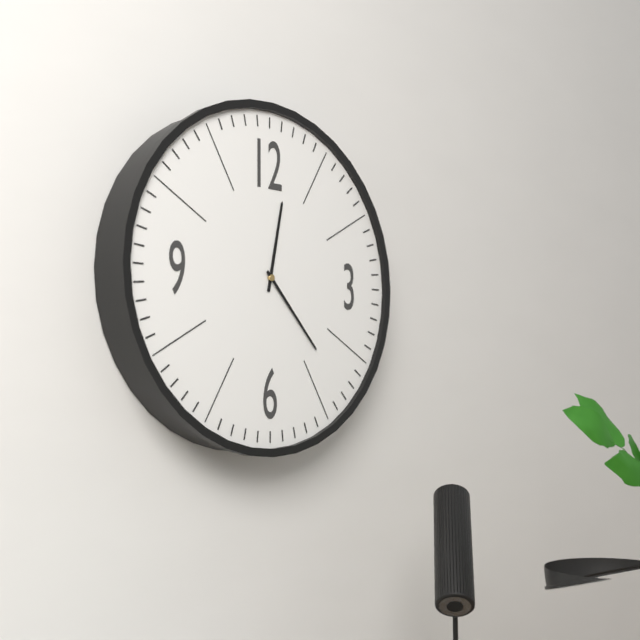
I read 12.23
